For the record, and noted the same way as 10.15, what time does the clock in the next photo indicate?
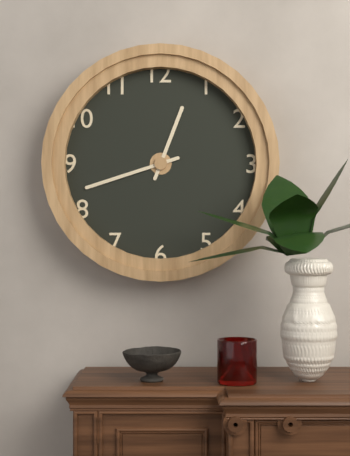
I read 12.42
